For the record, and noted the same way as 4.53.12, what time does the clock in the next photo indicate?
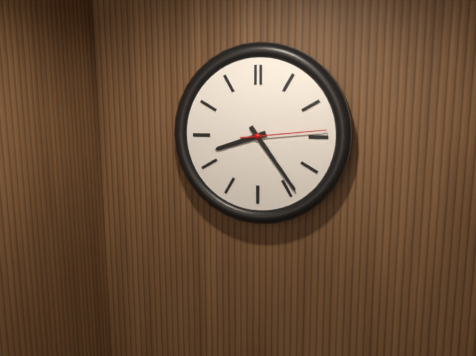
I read 8.24.14
